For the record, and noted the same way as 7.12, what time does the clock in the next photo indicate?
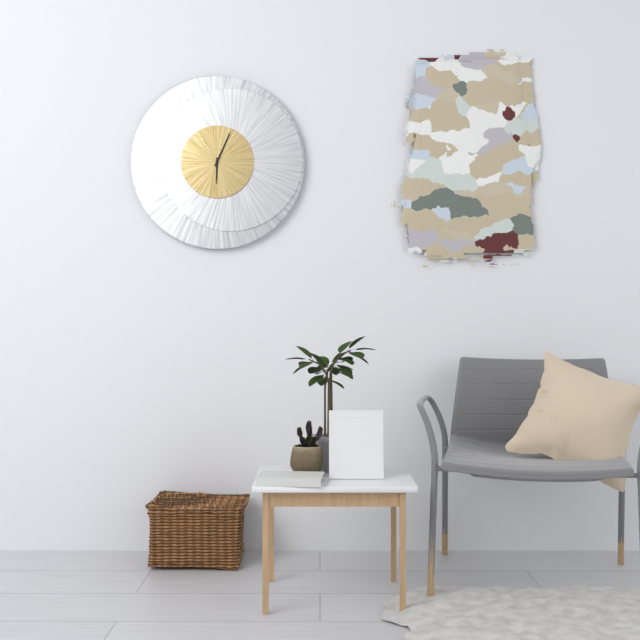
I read 6.04
